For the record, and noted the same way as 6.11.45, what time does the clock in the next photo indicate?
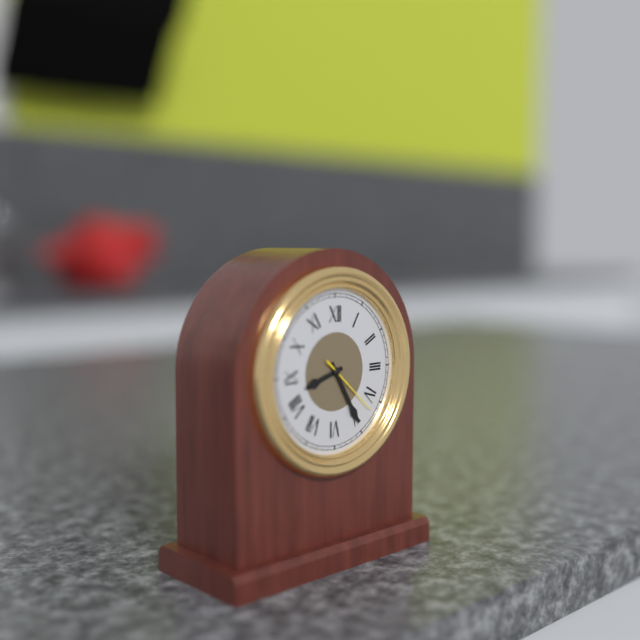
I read 8.25.22
